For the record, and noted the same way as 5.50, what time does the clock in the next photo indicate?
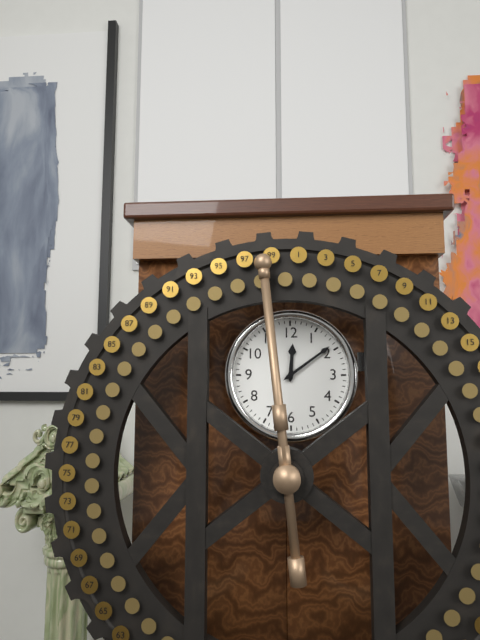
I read 12.09
